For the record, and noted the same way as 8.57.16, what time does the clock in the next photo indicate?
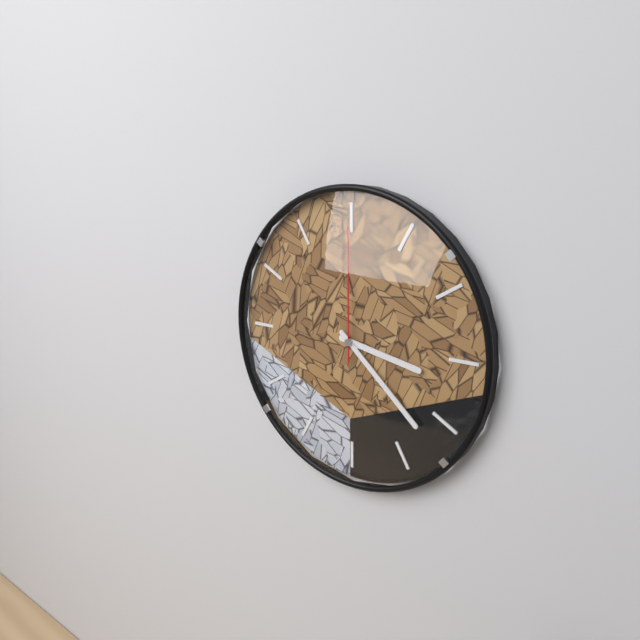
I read 3.22.00
